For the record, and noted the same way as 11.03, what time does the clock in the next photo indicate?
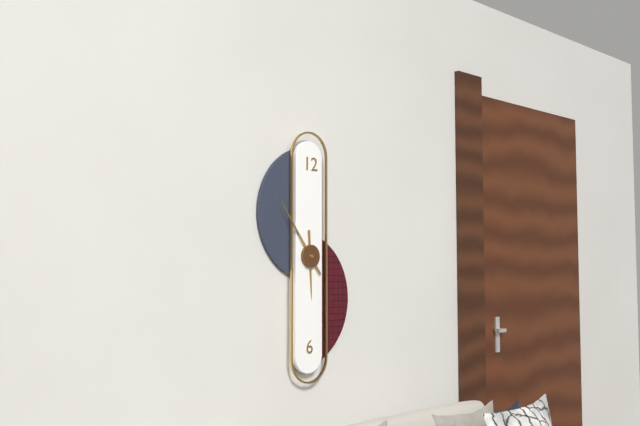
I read 5.54
